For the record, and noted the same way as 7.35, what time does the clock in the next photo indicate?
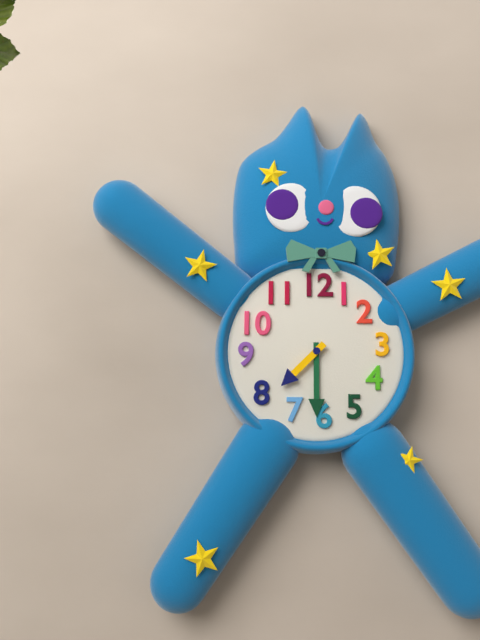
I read 7.30
